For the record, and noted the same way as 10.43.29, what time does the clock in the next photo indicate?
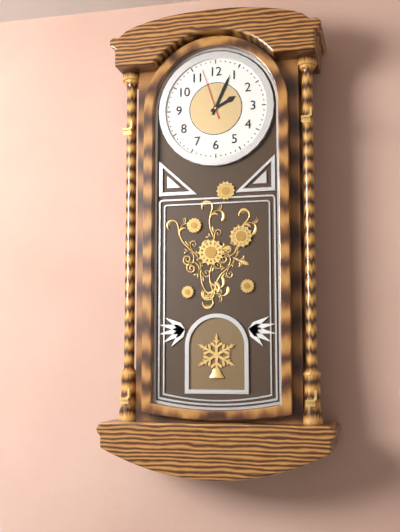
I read 2.04.57
